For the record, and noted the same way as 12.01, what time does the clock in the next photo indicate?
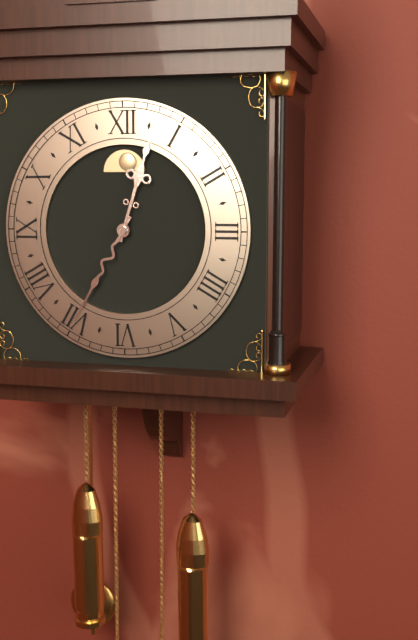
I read 12.35
